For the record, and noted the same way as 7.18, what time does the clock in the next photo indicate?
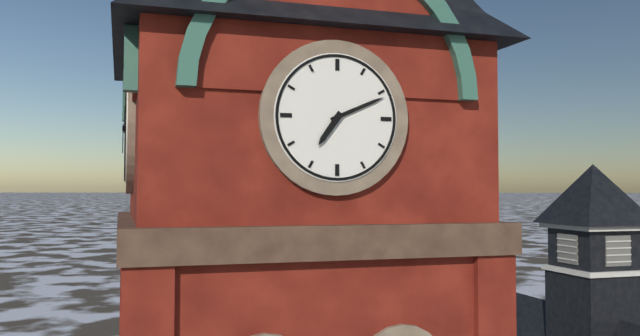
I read 7.11
